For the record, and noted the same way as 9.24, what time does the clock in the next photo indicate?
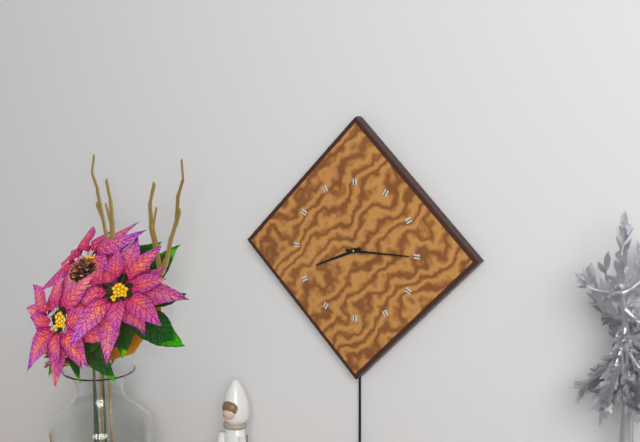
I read 8.15
